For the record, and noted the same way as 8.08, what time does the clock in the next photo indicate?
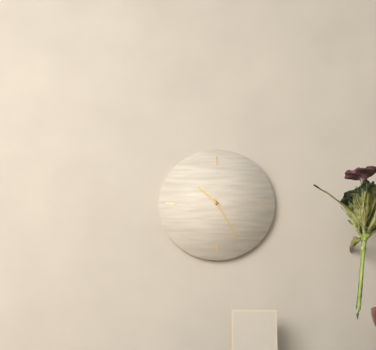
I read 10.25
